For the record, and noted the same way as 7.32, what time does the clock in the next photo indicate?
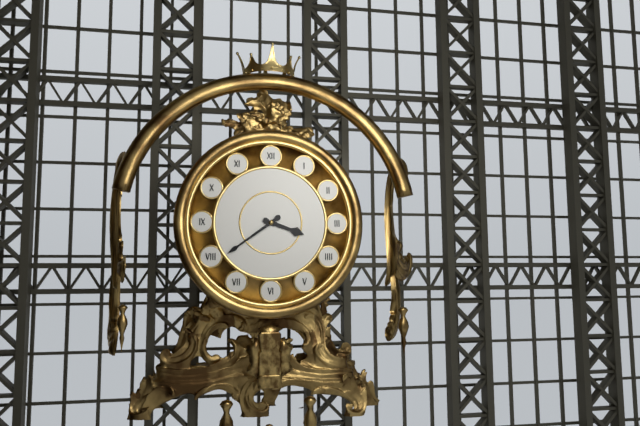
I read 3.39
